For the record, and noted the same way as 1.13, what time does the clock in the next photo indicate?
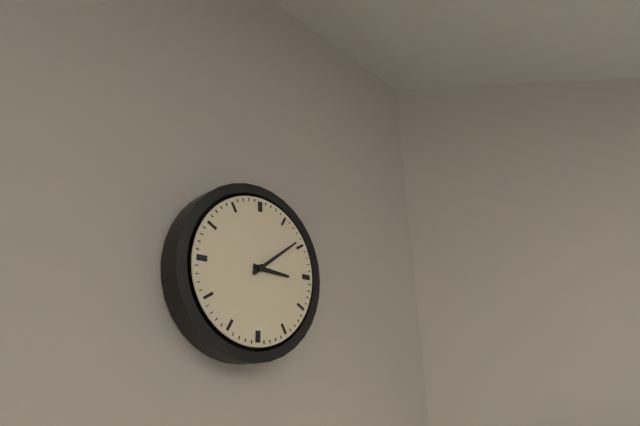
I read 3.09
